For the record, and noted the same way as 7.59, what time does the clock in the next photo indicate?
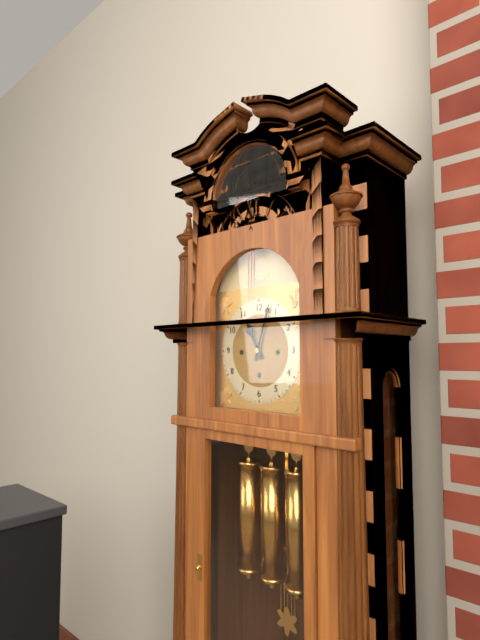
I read 11.03
